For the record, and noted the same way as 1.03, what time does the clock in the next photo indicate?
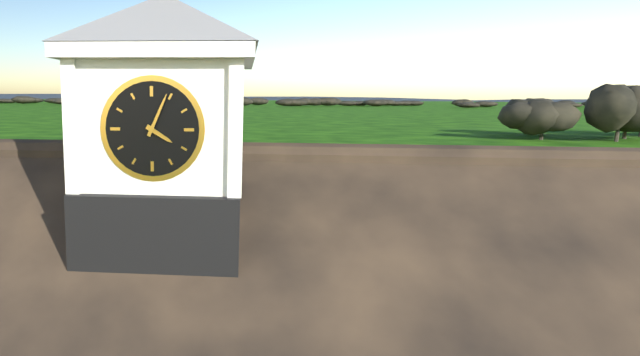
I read 4.04
